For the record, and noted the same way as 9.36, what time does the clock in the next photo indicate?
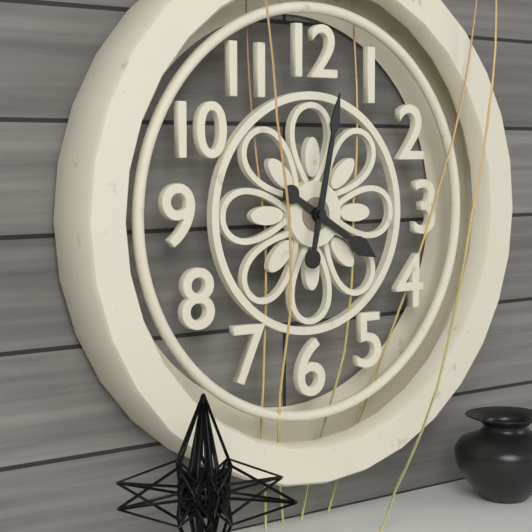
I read 4.02
